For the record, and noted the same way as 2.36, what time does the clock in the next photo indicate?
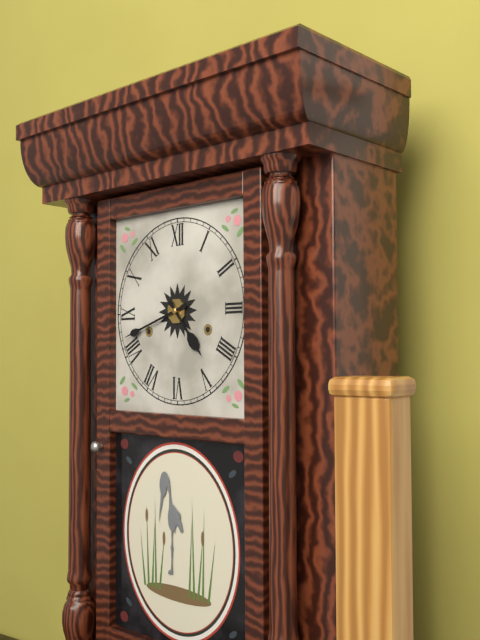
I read 4.42
